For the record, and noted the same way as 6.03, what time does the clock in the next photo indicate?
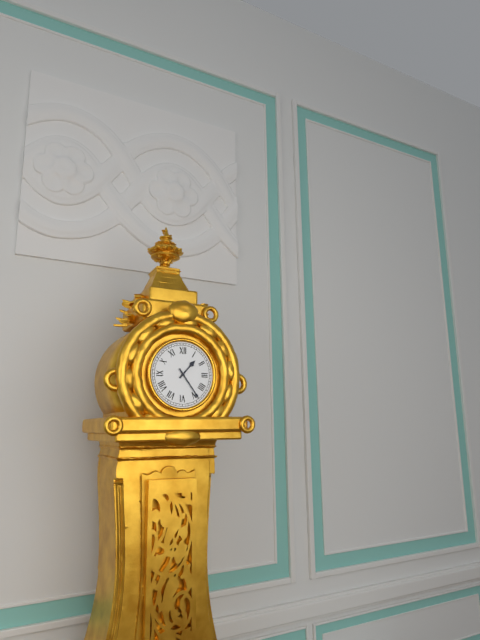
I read 1.24
